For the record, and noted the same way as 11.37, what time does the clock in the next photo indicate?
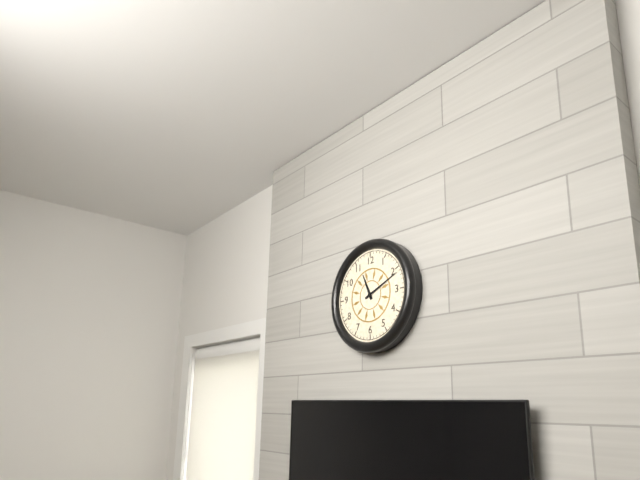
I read 11.11
